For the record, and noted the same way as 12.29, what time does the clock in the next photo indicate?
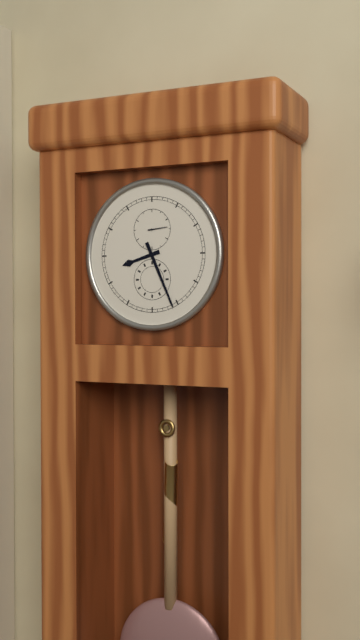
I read 8.26
